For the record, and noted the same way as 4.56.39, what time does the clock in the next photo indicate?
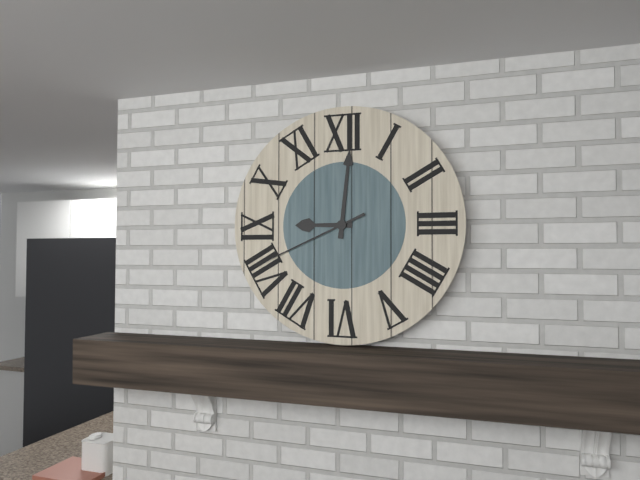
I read 9.01.41
